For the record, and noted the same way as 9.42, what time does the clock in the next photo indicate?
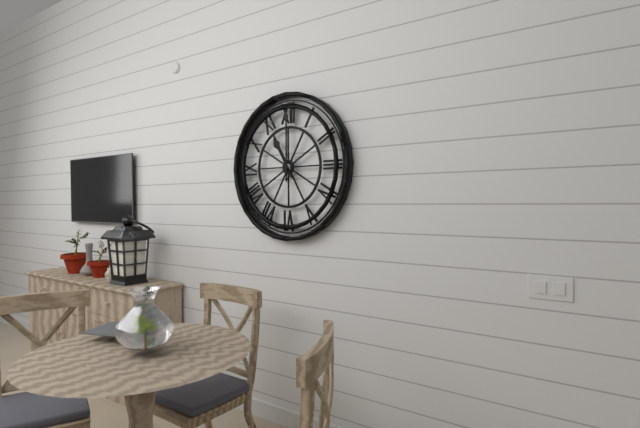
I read 11.00
